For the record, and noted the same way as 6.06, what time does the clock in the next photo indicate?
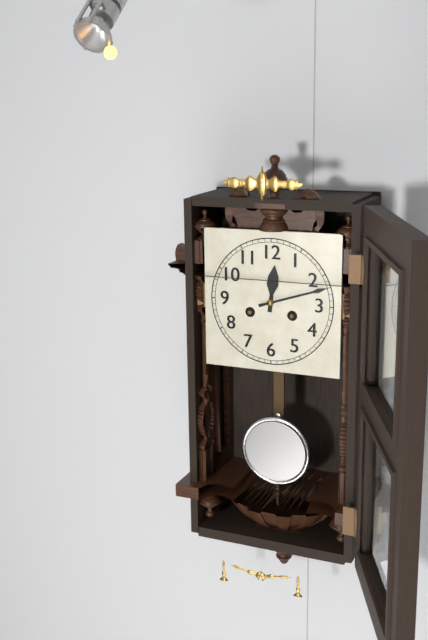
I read 12.12
